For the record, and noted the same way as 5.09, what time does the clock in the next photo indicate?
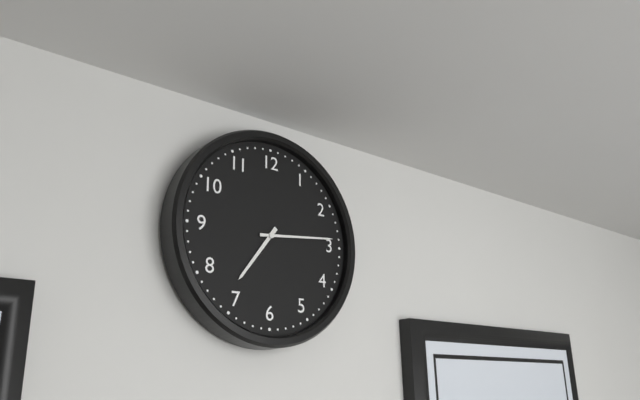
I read 7.14
